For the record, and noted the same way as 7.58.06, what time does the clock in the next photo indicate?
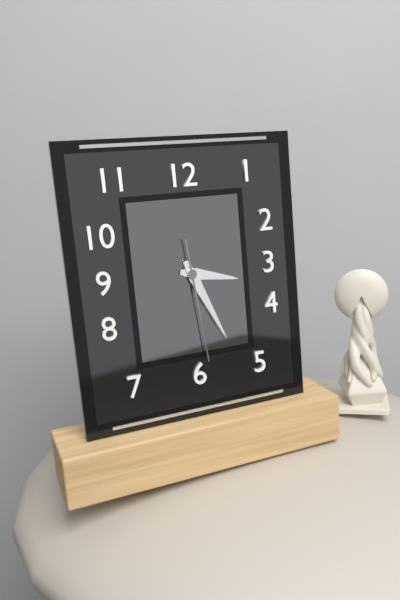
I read 3.26.29
